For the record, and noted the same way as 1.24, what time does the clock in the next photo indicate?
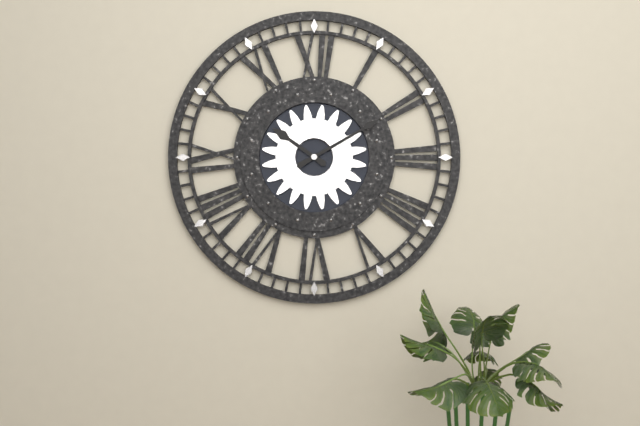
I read 10.10
